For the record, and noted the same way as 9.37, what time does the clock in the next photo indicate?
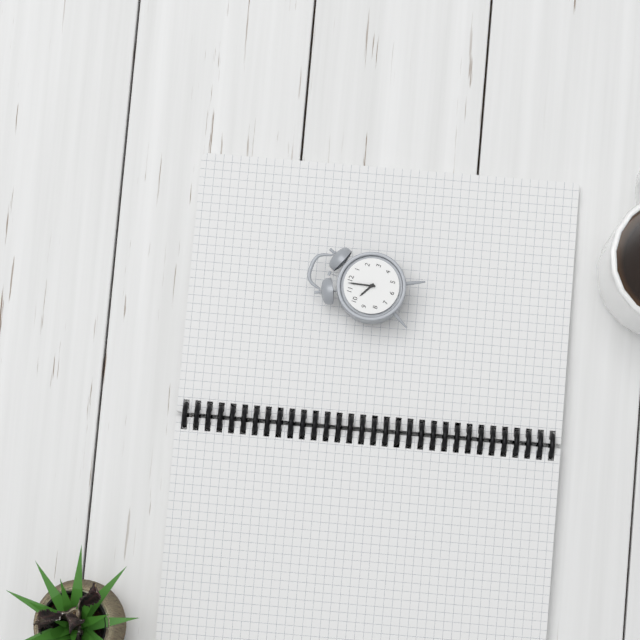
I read 9.58
